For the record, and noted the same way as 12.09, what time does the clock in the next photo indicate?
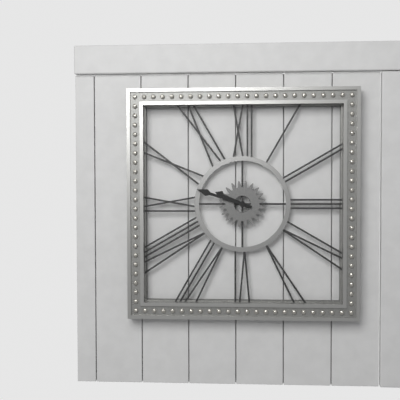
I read 9.48
